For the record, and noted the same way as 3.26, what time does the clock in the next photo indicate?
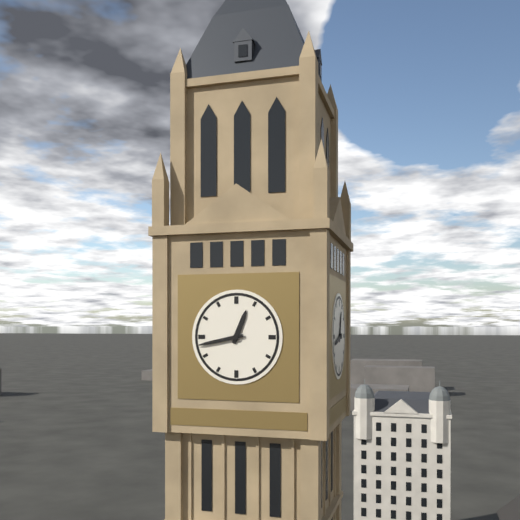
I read 12.43
